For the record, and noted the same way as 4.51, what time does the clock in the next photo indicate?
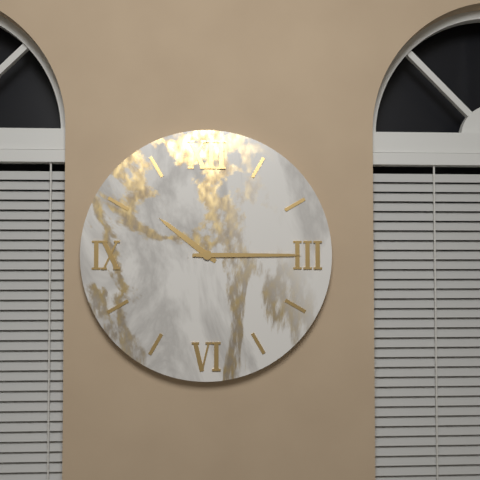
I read 10.15
